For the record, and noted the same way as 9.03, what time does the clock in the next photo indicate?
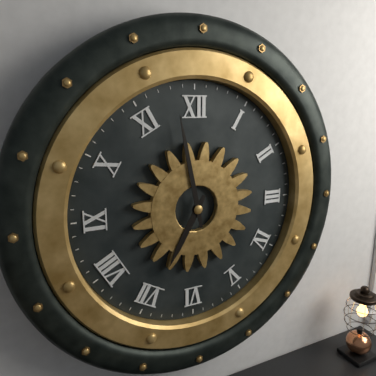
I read 6.58
